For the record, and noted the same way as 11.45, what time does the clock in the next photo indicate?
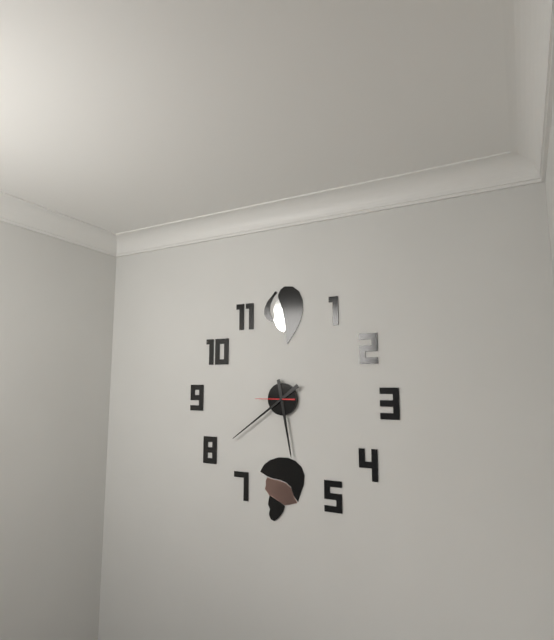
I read 5.39
